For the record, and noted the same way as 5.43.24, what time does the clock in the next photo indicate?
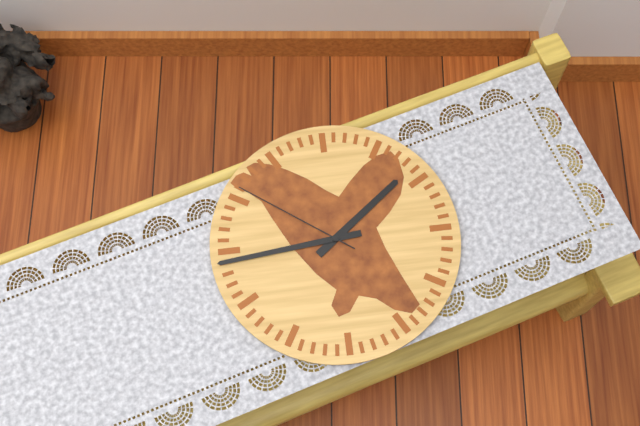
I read 1.44.51
